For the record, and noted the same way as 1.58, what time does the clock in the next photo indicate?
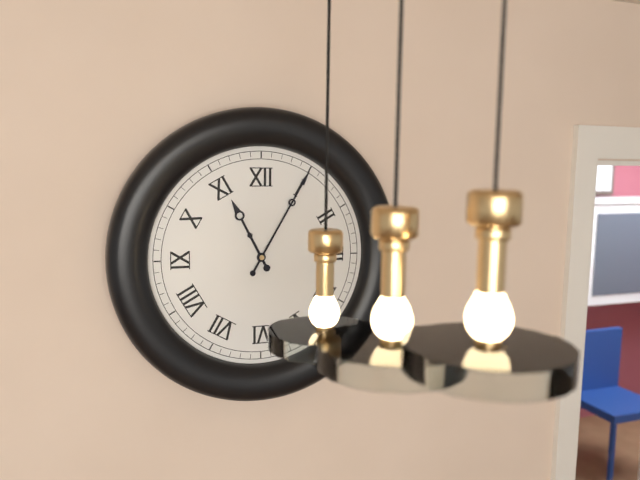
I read 11.05
